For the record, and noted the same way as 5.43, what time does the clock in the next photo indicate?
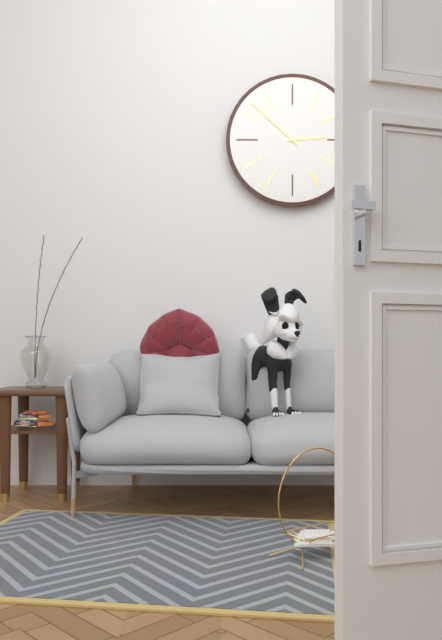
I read 2.52
